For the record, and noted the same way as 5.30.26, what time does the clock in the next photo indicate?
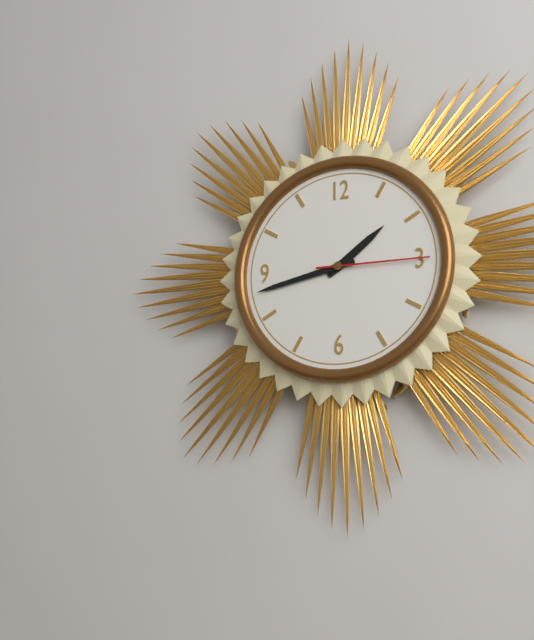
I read 1.43.15
